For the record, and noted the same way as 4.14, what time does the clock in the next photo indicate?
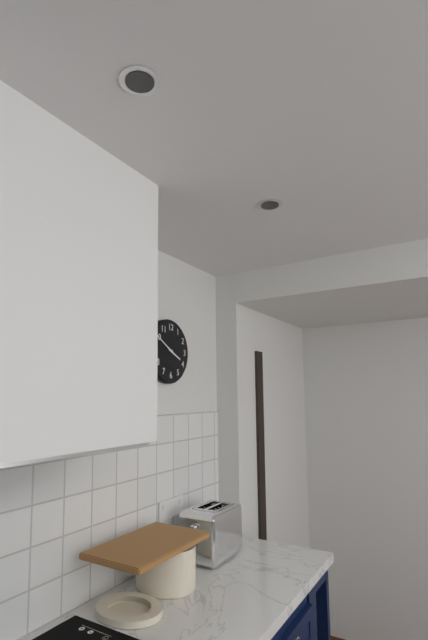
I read 3.50
